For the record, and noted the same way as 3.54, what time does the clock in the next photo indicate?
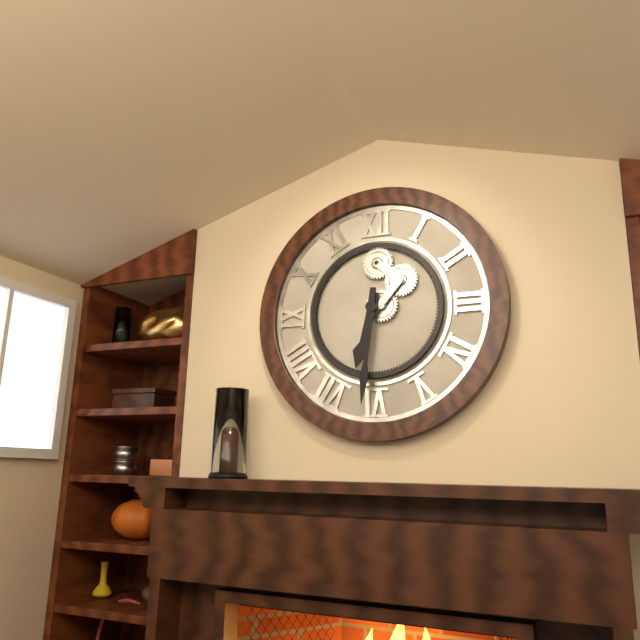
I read 6.31
